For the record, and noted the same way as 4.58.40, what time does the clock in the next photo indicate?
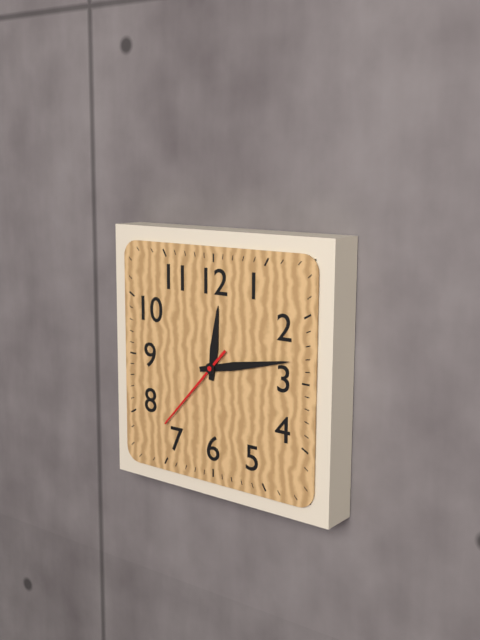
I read 12.13.37
